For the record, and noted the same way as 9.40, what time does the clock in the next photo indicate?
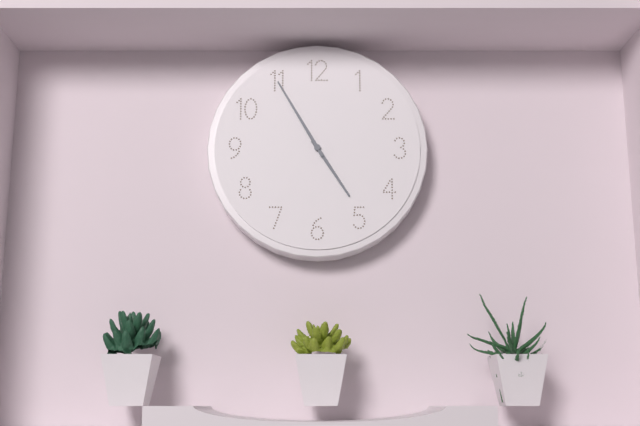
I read 4.55
